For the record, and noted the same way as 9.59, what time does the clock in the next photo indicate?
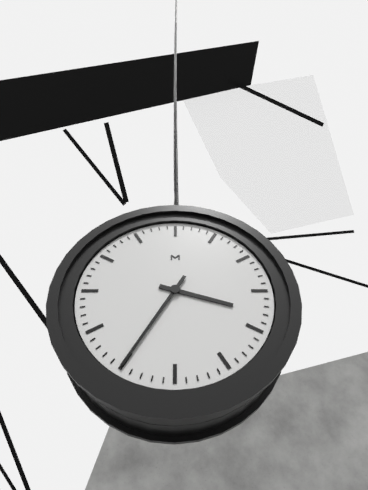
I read 3.35
